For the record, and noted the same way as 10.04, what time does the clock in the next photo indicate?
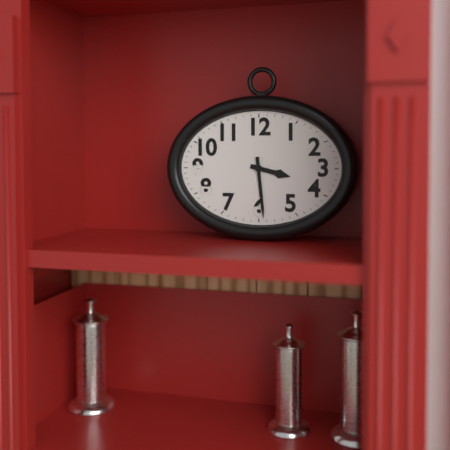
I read 3.29
